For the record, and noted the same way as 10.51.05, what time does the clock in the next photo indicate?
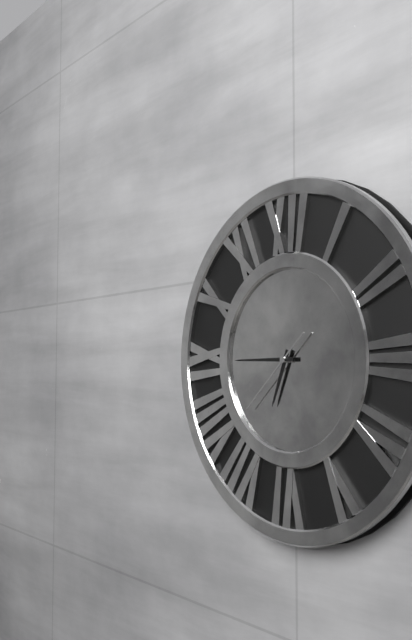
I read 6.45.38
